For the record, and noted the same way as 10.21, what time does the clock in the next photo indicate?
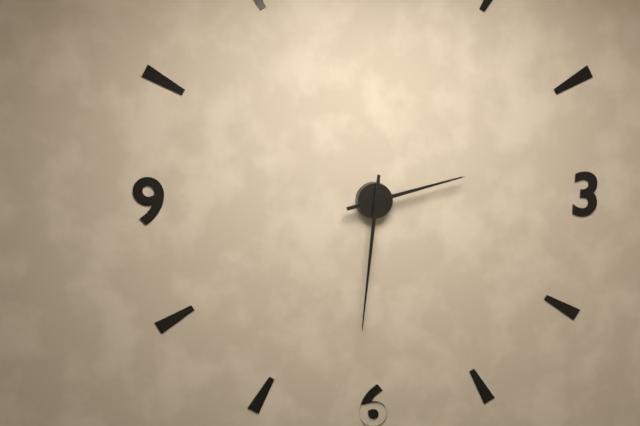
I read 2.31
